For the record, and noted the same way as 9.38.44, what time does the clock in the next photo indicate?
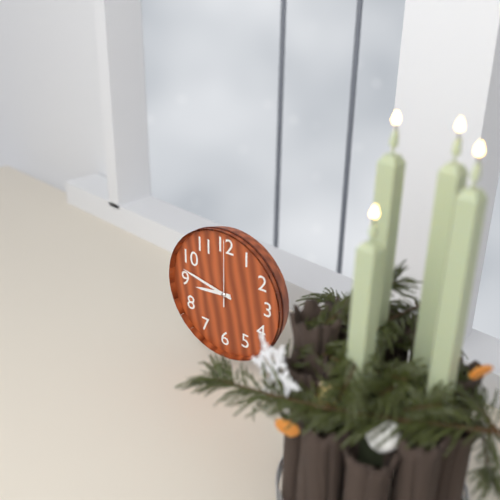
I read 8.47.00
